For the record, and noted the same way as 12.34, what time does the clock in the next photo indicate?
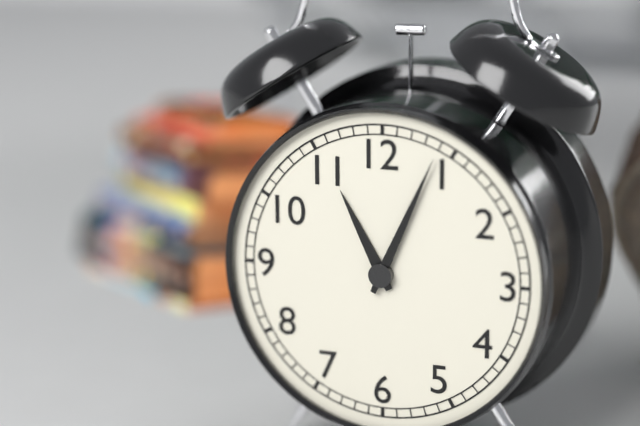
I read 11.04
